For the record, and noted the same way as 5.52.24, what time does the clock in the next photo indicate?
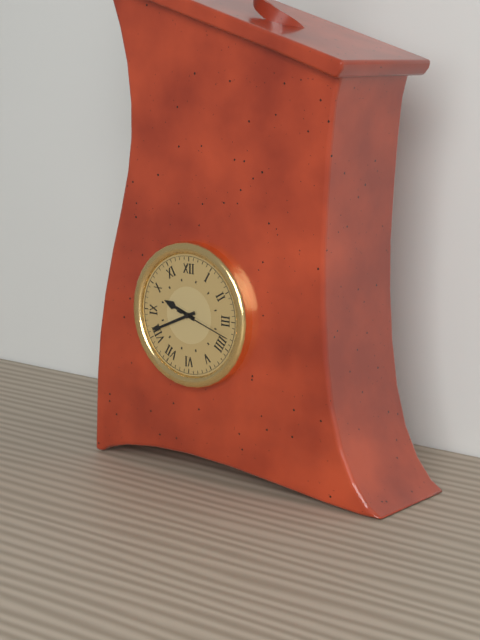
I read 9.41.18
